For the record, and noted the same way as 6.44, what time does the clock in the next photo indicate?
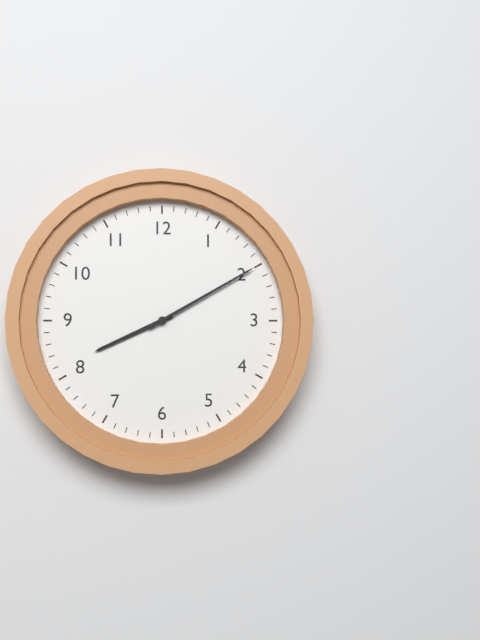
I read 8.10
